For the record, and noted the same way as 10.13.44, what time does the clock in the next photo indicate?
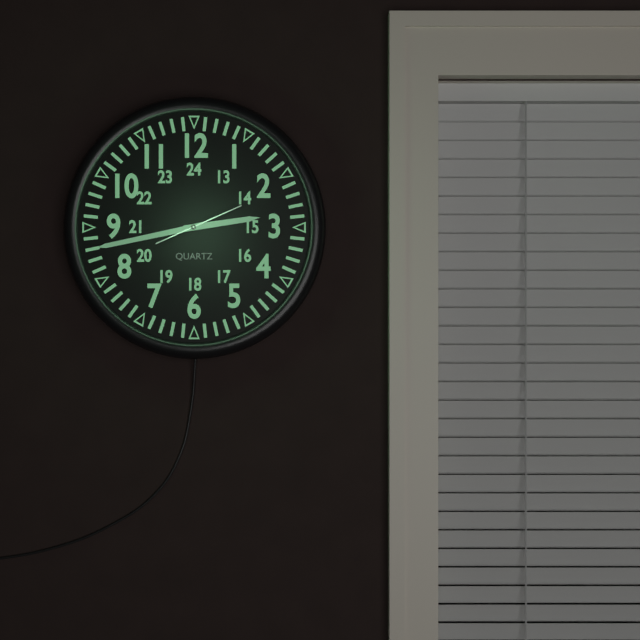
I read 2.43.11
